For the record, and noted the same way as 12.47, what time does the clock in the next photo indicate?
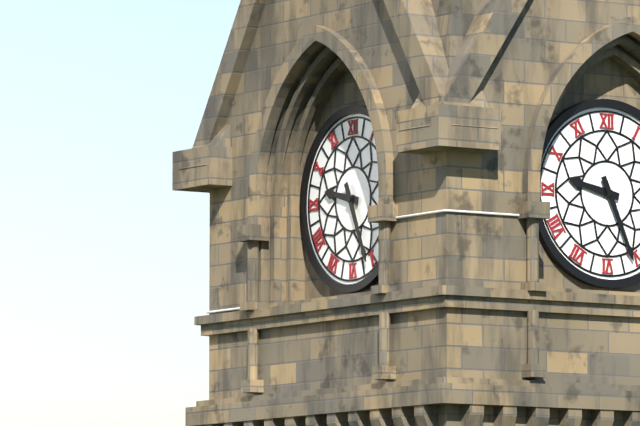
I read 9.26
